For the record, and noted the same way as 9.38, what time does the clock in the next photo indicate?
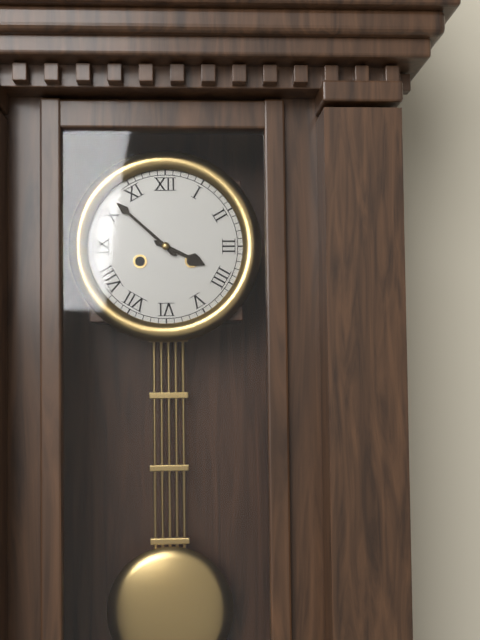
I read 3.52
